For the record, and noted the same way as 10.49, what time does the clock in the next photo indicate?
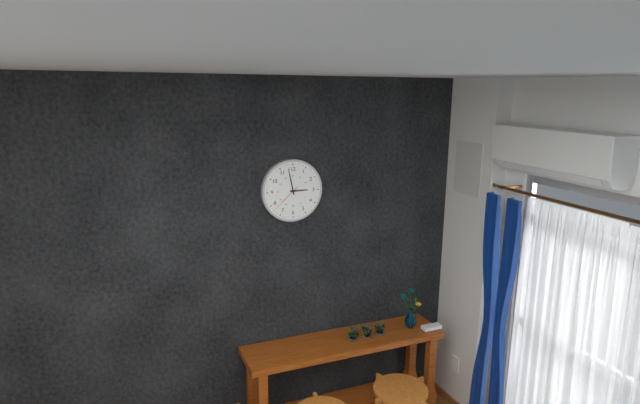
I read 2.58
